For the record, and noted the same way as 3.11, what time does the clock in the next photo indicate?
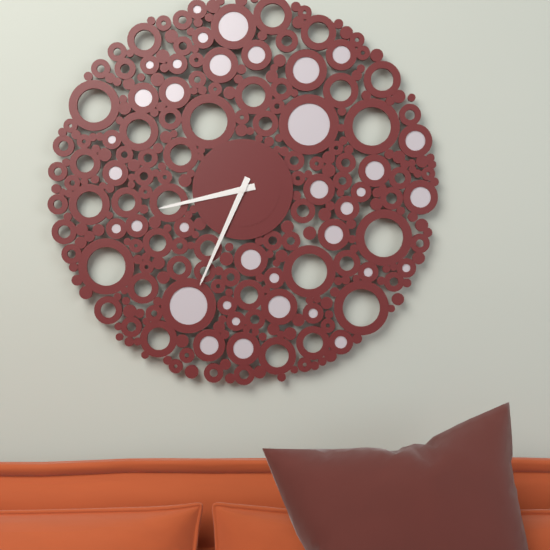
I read 8.34
